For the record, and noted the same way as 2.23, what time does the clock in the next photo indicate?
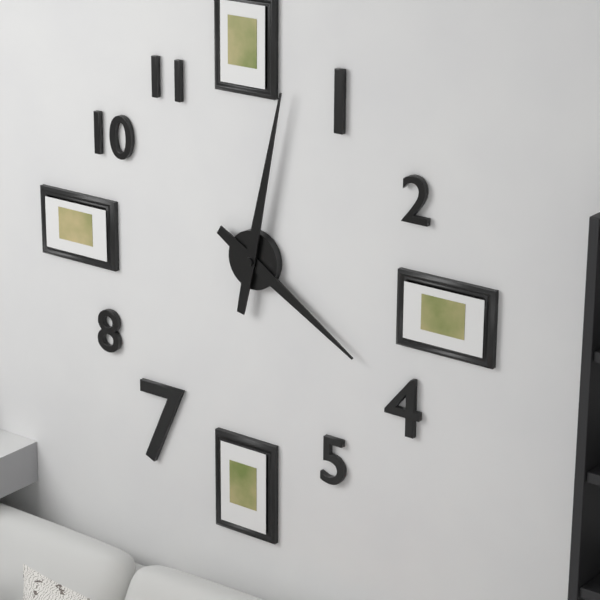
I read 4.02
